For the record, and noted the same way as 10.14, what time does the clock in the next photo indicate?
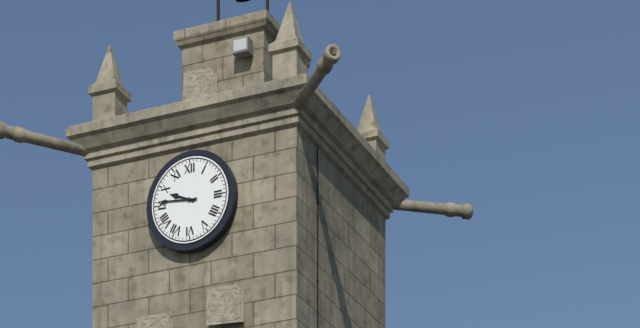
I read 9.46
